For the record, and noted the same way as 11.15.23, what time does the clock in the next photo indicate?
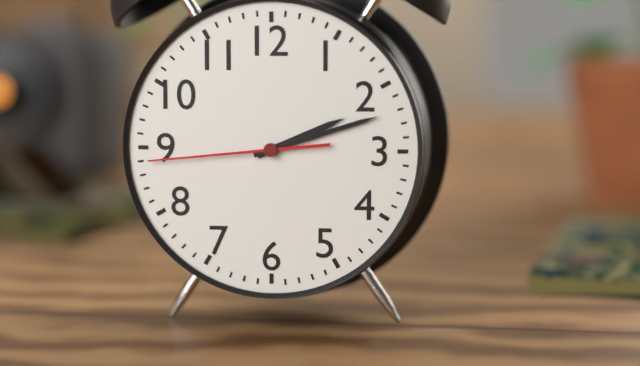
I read 2.12.44
